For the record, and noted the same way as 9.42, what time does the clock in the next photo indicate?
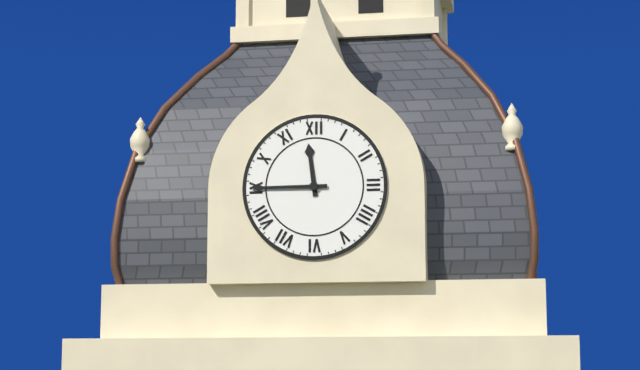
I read 11.45
